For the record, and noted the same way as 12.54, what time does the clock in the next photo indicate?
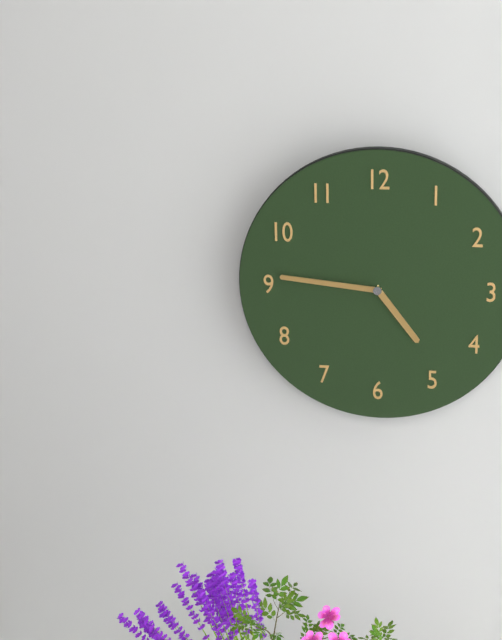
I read 4.46
